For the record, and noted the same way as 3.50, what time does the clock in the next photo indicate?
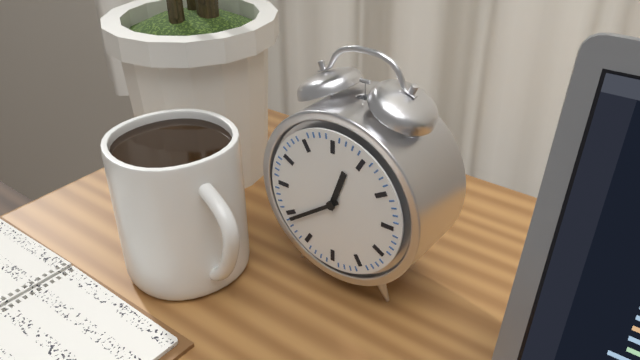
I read 12.39
